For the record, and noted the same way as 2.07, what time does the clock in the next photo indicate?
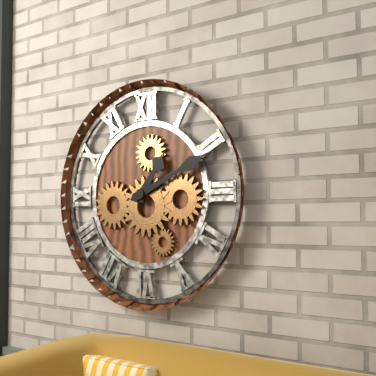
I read 1.11
